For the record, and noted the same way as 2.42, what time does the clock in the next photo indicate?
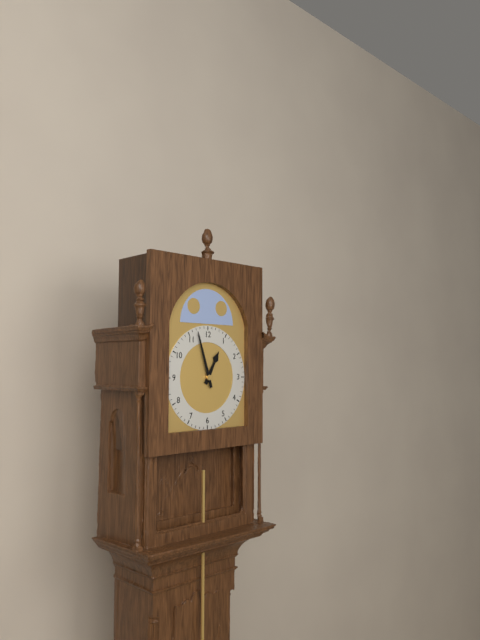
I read 12.57
